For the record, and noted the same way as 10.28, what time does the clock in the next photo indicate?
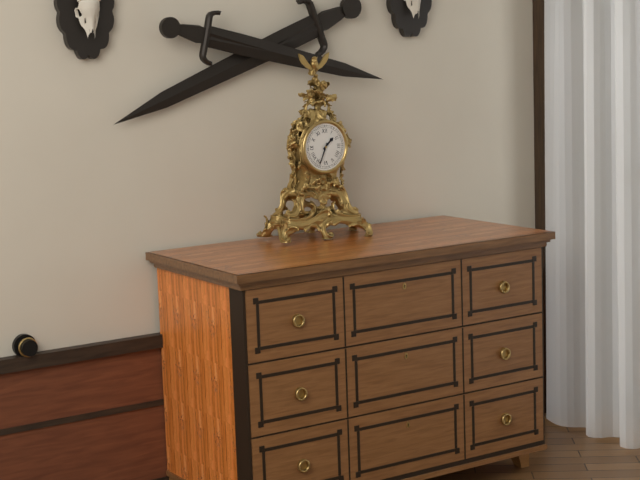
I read 1.34
